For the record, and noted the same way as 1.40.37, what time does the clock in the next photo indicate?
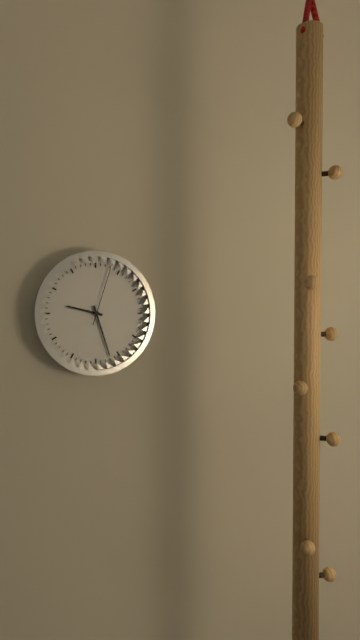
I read 9.27.03
